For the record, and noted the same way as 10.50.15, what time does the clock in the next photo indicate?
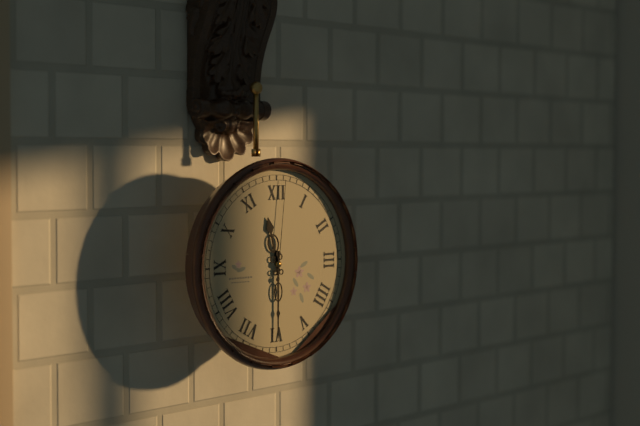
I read 11.30.01
